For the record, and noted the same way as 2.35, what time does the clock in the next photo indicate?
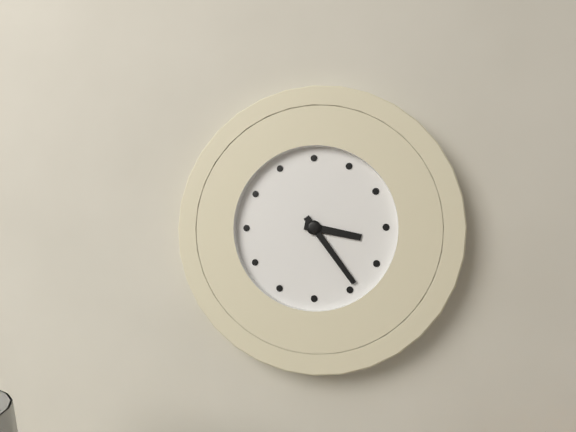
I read 3.24
